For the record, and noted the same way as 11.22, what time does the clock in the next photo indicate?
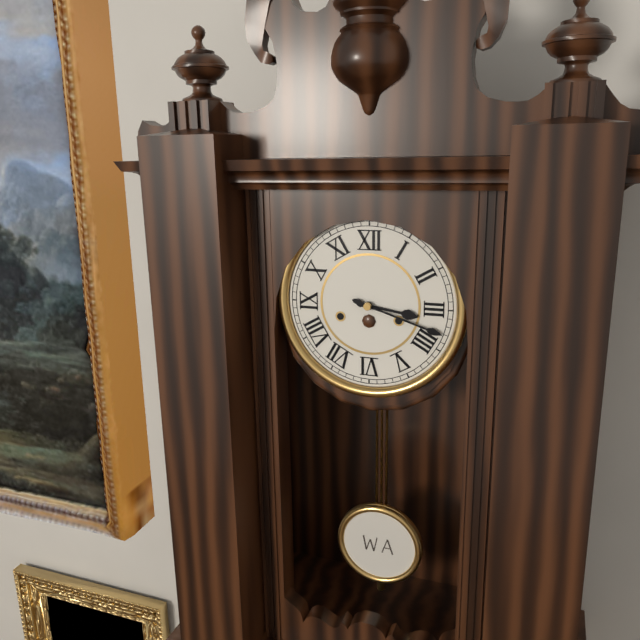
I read 3.18
